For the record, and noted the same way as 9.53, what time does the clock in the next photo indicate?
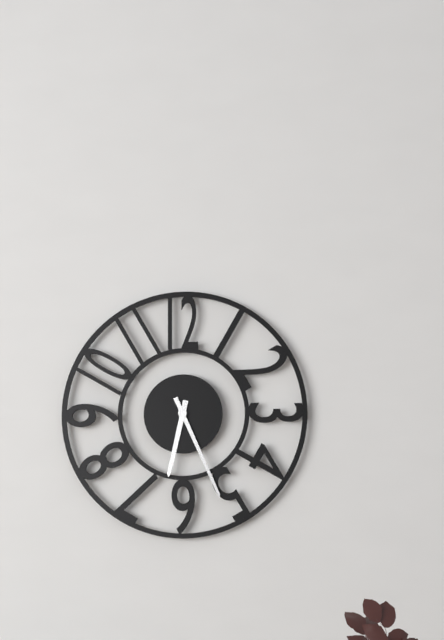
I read 6.26
